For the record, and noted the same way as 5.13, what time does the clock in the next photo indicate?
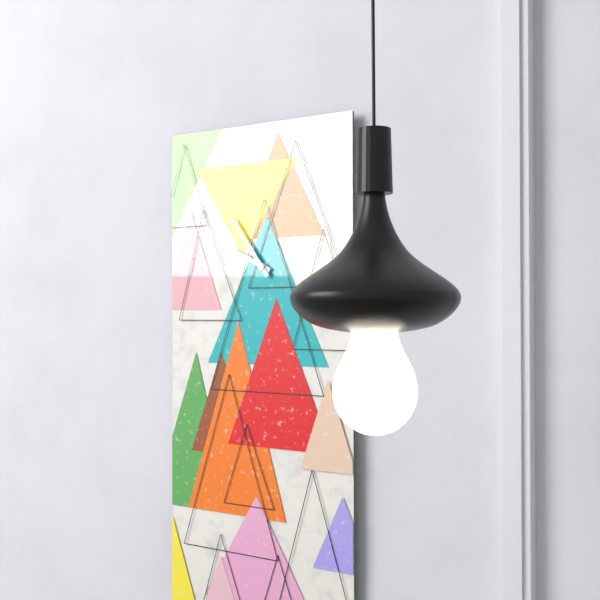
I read 9.54
